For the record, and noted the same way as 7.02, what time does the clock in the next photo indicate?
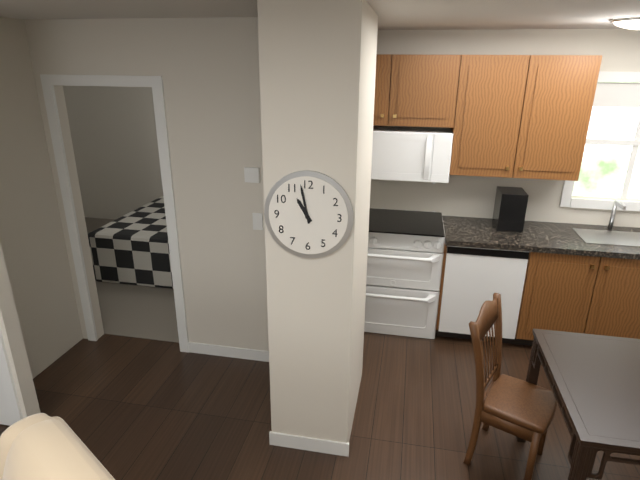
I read 10.58
